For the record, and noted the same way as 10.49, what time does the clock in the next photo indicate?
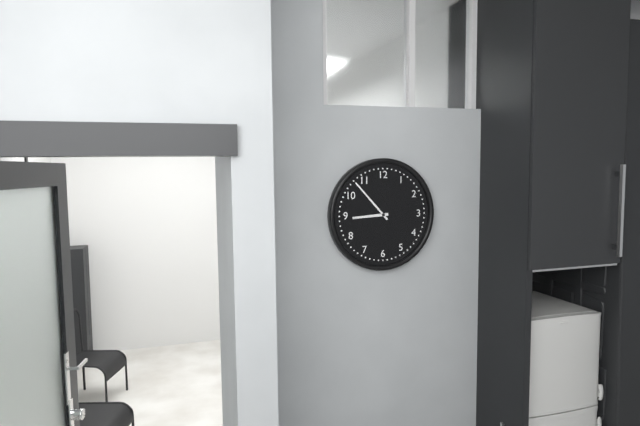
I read 8.53
